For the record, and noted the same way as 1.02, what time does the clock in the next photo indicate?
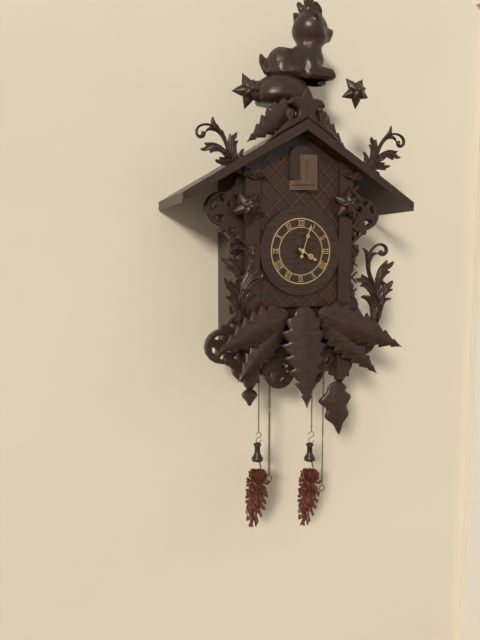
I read 4.03
